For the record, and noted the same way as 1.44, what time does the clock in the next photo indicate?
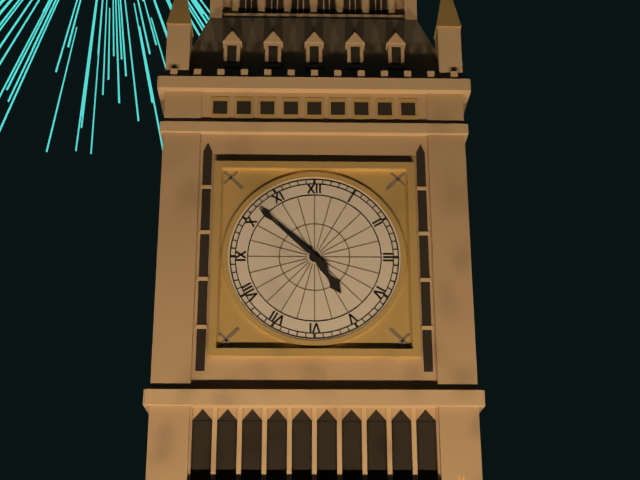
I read 4.52
